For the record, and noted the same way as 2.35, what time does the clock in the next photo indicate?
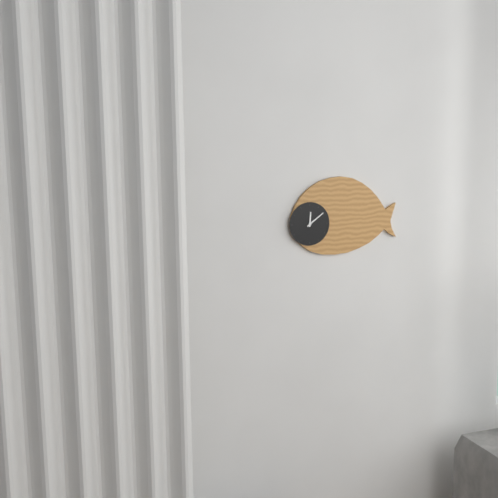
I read 12.09
